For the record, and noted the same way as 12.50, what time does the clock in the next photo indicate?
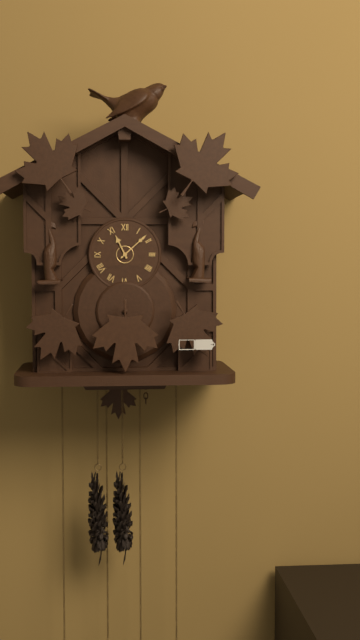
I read 11.08
